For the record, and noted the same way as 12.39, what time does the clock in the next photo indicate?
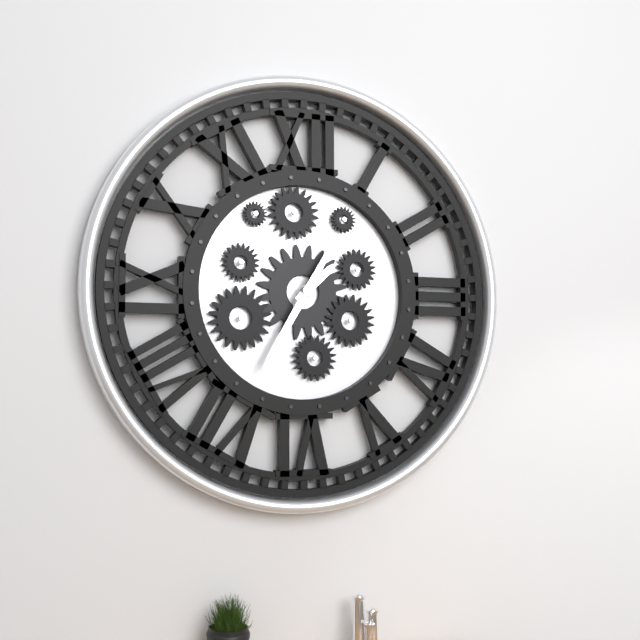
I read 1.35
